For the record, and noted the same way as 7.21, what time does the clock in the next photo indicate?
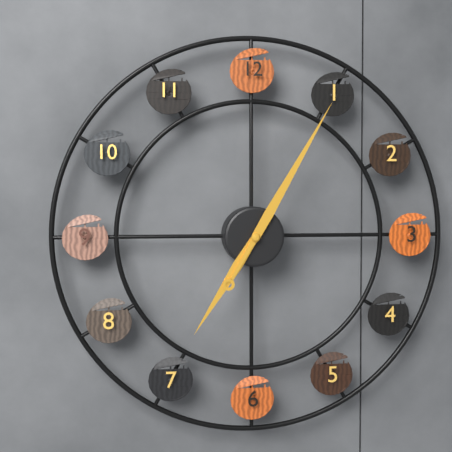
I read 7.05
